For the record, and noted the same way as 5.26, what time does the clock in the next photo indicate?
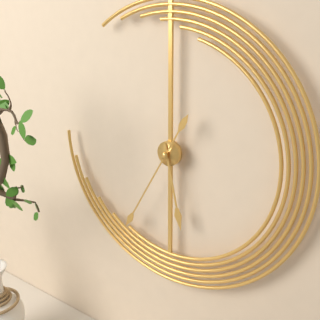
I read 5.35
